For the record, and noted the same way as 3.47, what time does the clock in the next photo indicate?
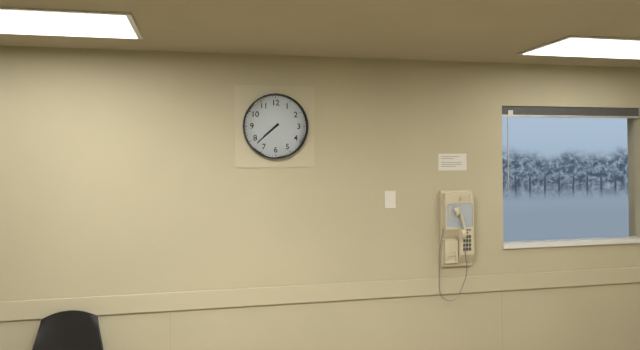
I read 7.38
